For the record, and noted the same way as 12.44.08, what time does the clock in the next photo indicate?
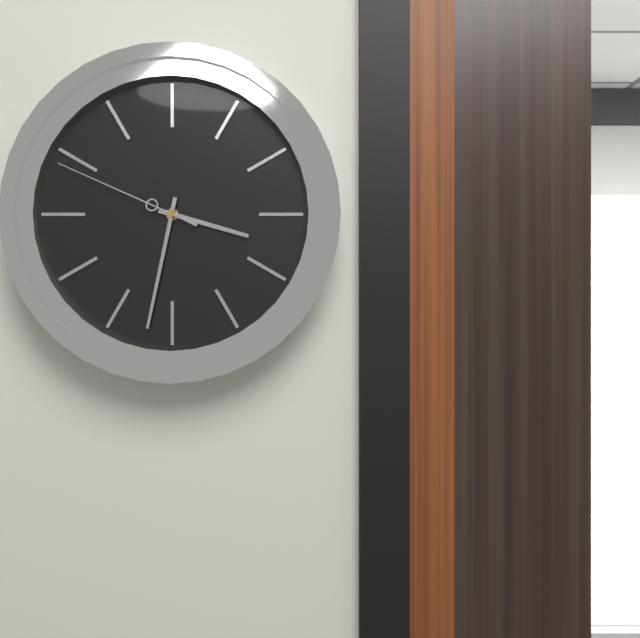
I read 3.32.49
